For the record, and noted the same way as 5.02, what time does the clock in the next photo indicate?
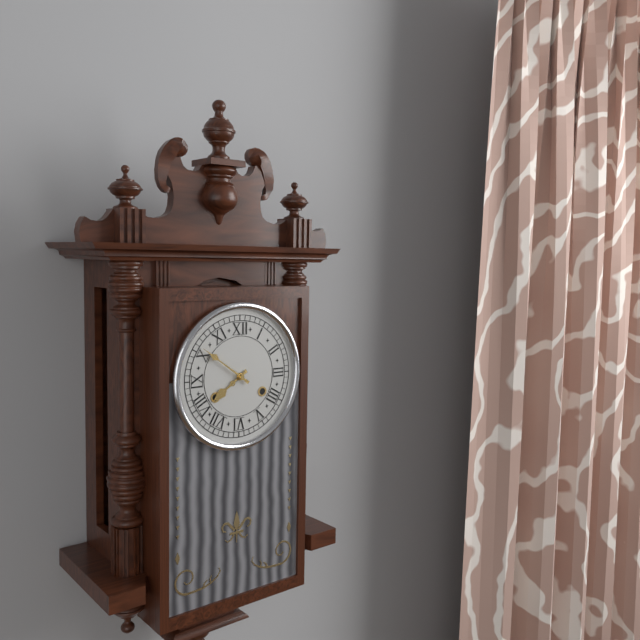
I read 7.51
